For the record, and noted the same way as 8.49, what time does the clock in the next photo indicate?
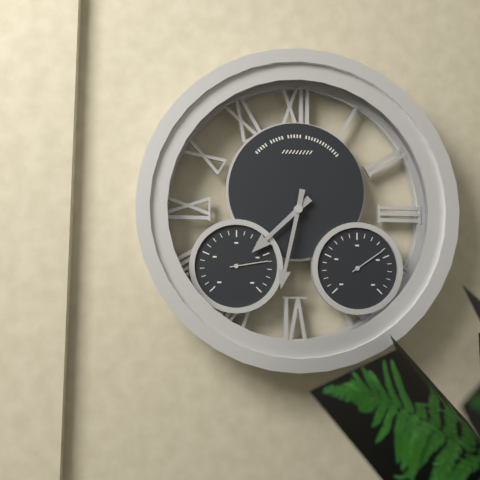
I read 7.32
